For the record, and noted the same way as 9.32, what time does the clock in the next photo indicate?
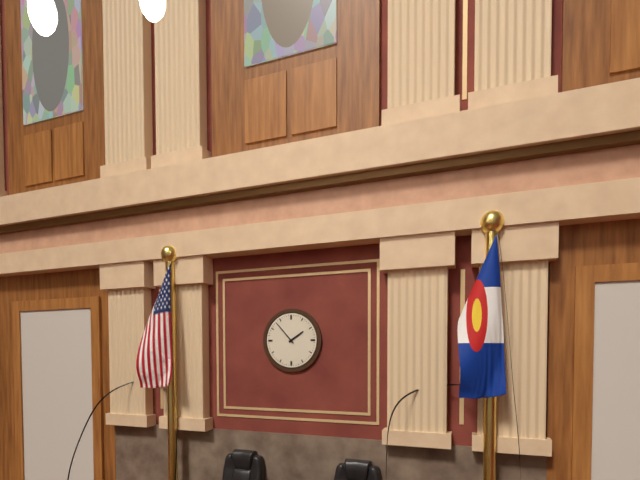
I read 1.53
